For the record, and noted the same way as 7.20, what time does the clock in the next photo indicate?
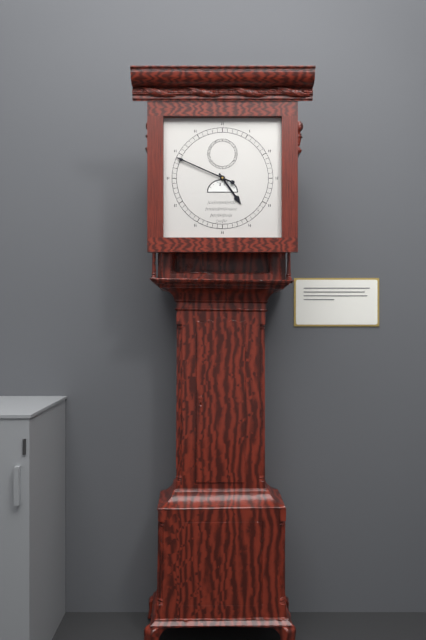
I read 4.49
